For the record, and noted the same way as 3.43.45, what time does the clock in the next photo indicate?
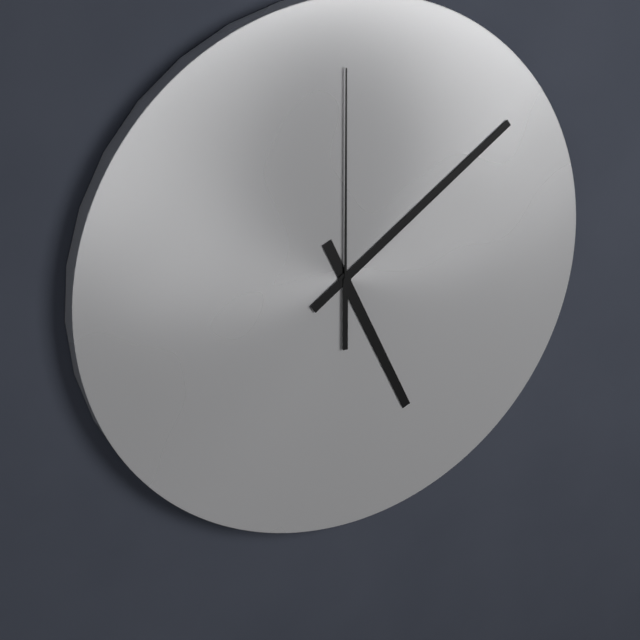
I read 5.09.00
